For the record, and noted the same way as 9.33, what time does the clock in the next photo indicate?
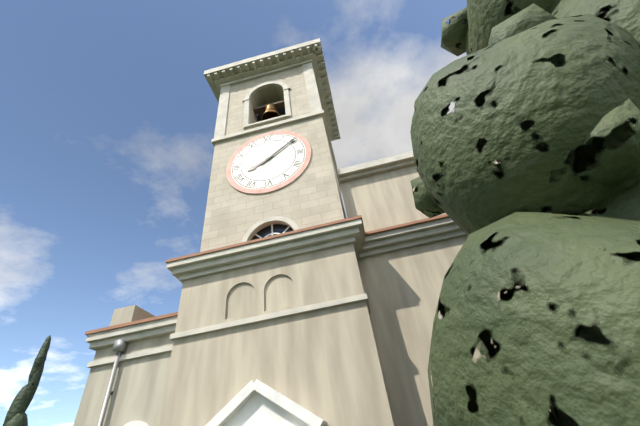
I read 8.09
